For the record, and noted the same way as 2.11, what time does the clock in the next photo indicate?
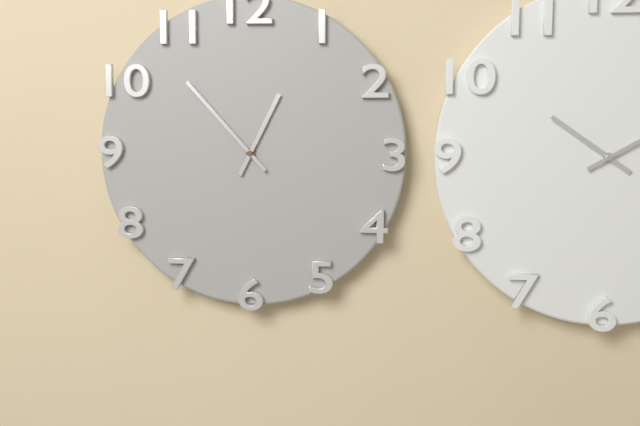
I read 12.53
